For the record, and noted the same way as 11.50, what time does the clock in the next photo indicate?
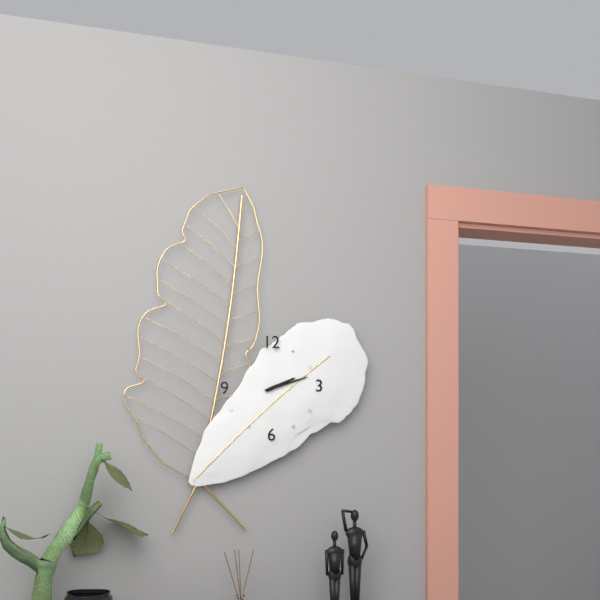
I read 2.12
